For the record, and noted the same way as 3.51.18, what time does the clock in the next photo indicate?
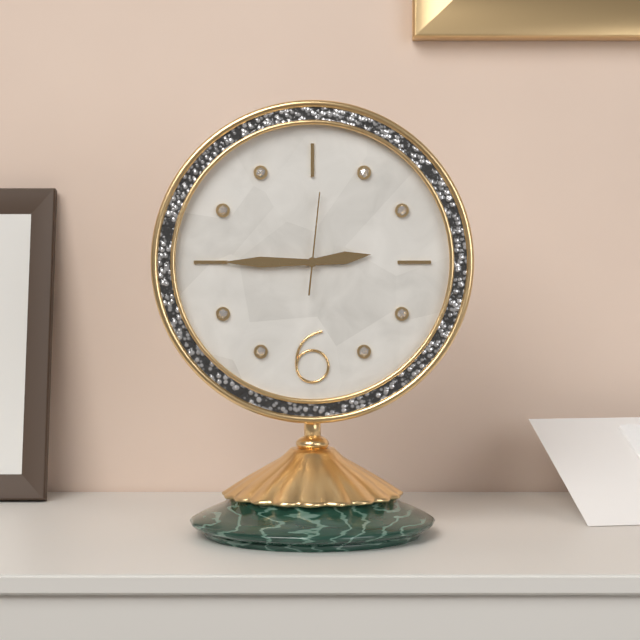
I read 2.45.01
